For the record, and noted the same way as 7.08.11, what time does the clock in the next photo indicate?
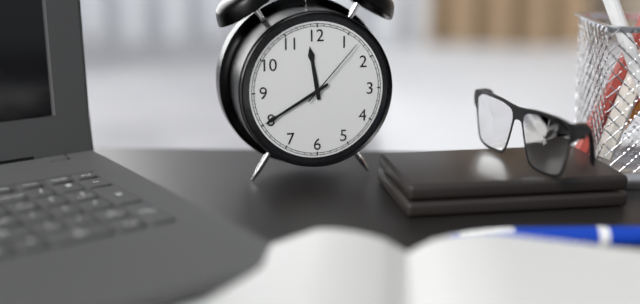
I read 11.40.07
